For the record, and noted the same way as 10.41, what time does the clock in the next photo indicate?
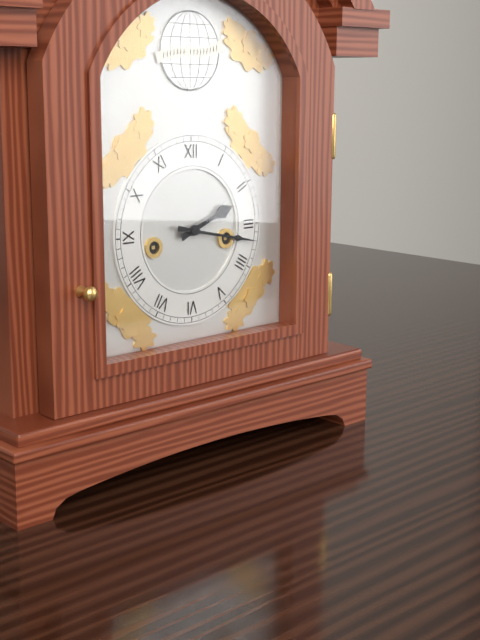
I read 2.17
